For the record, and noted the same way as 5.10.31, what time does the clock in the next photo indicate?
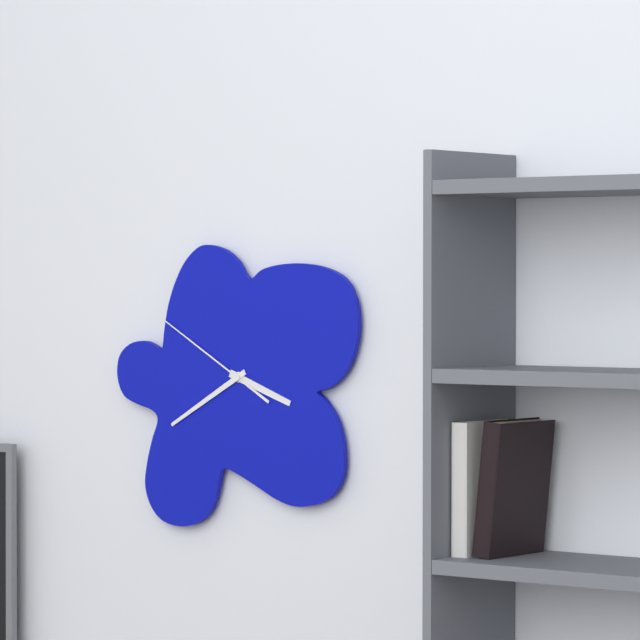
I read 3.40.50
